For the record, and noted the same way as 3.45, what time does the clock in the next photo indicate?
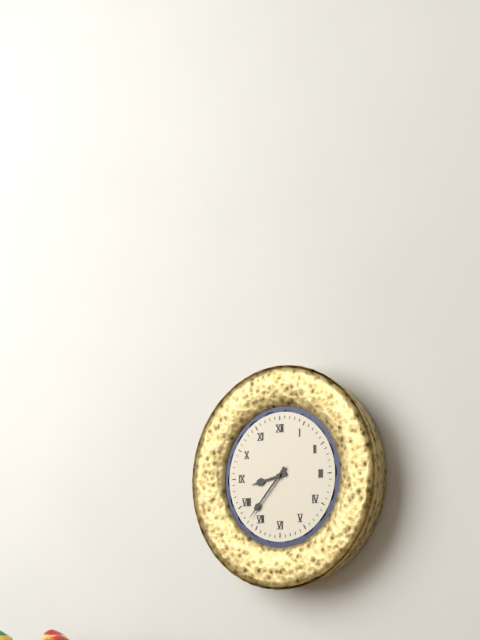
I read 8.37
